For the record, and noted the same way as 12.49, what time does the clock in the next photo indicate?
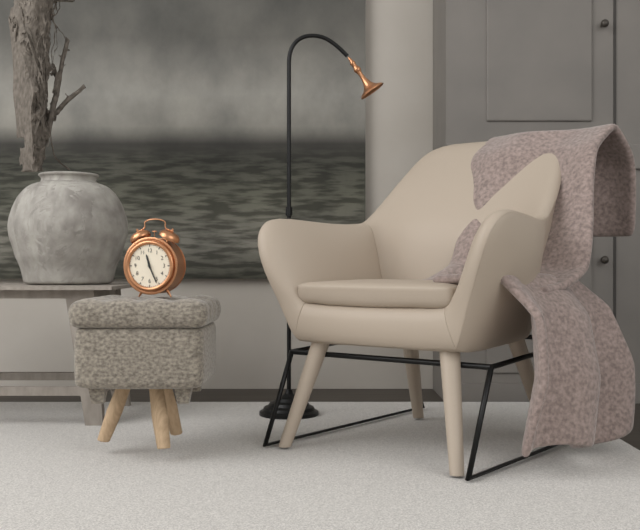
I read 11.26
